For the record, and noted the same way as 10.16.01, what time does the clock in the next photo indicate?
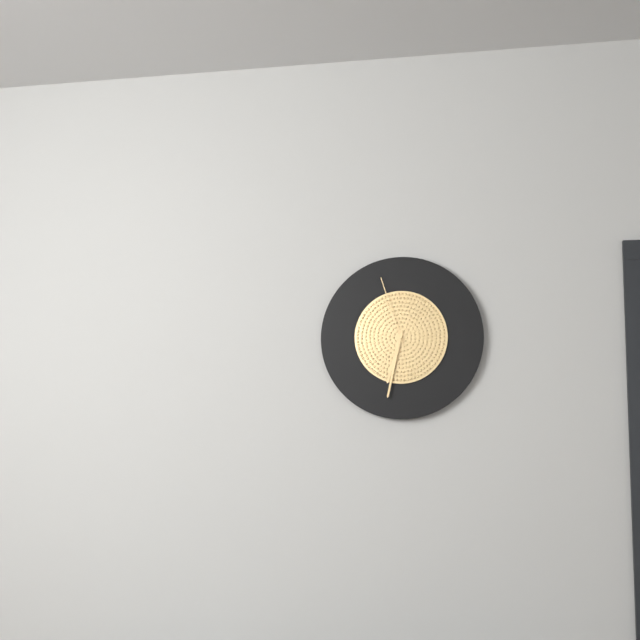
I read 6.32.57
